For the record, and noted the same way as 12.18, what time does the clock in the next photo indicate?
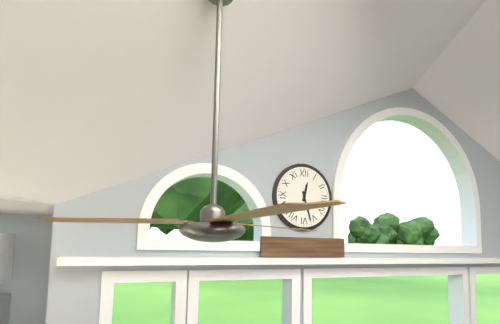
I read 12.27
